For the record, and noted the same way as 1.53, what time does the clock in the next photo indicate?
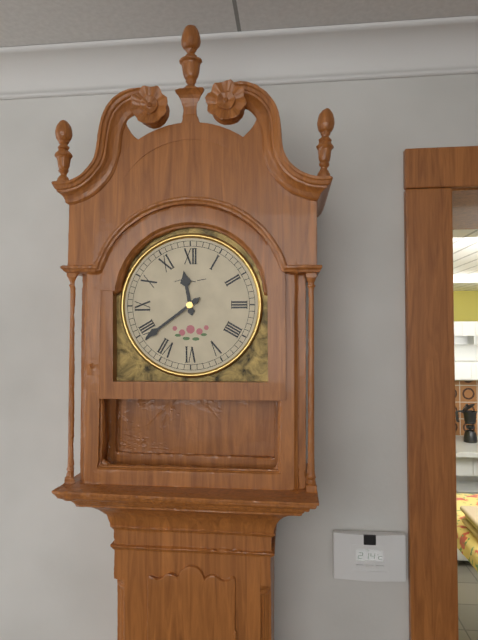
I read 11.39
